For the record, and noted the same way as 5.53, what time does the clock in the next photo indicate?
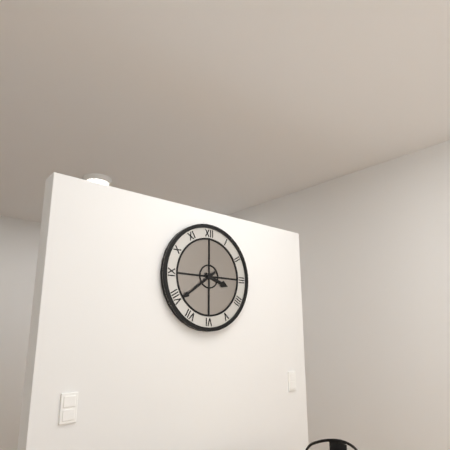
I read 3.39
